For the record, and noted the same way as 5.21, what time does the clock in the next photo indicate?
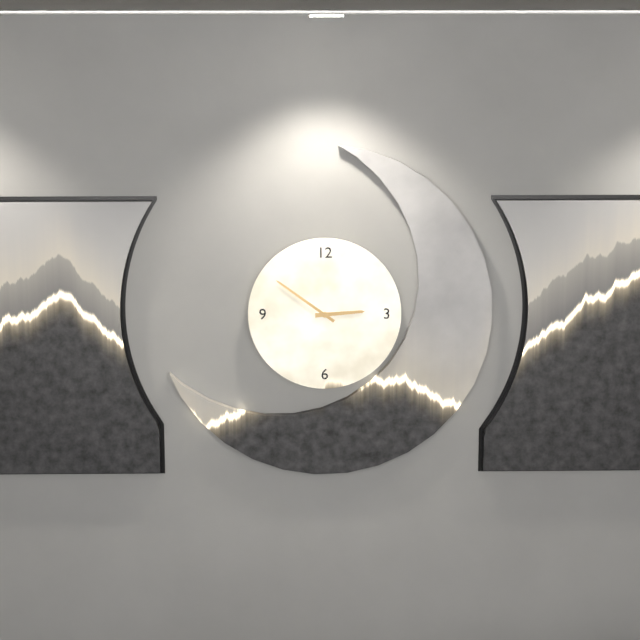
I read 2.51
